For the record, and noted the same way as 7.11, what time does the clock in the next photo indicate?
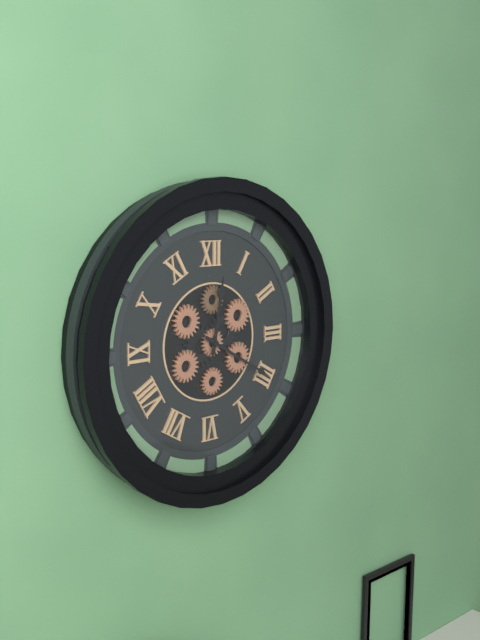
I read 12.20
